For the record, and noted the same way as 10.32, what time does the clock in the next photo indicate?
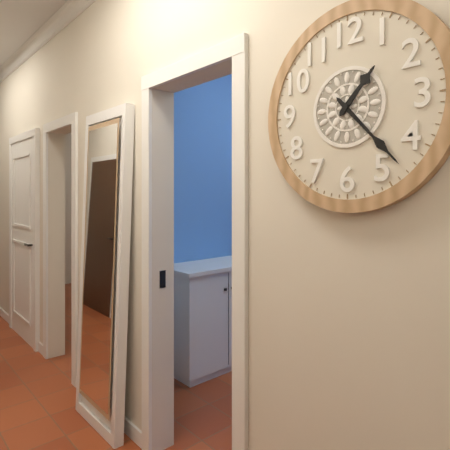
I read 1.23
